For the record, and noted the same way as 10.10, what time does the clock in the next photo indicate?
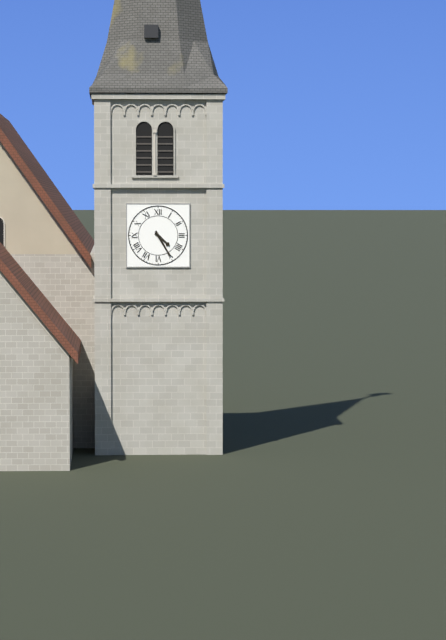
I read 4.25
